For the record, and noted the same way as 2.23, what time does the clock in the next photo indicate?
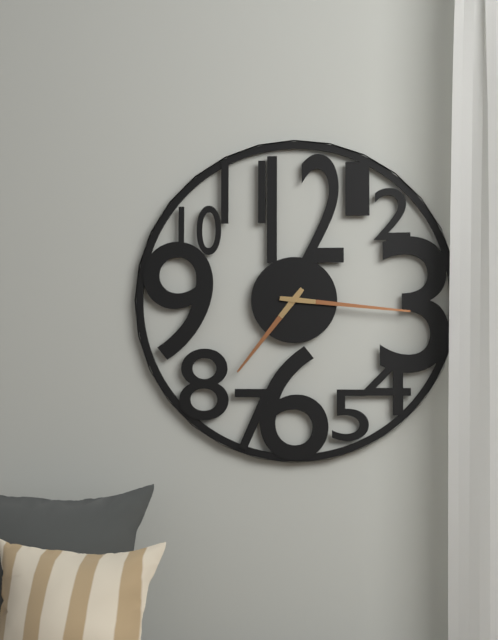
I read 7.16
